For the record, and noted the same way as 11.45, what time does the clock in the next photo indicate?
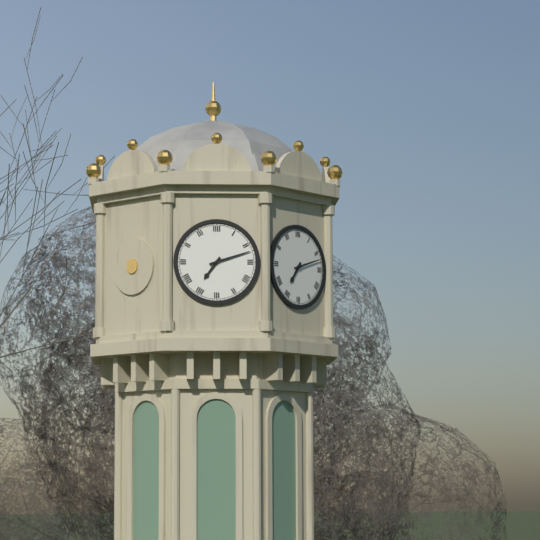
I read 7.12
